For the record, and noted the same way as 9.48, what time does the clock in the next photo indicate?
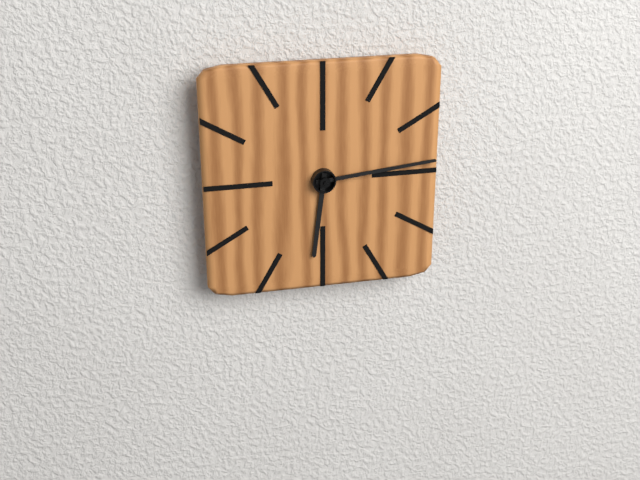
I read 6.14
